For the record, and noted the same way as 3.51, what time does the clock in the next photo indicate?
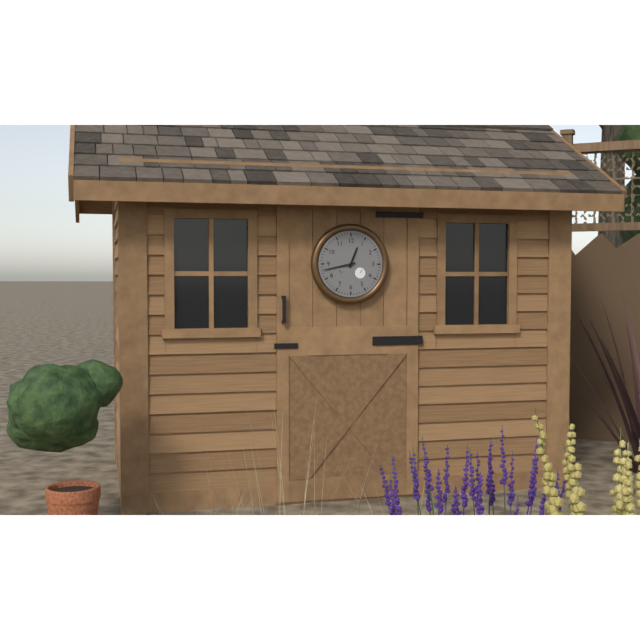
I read 12.43
